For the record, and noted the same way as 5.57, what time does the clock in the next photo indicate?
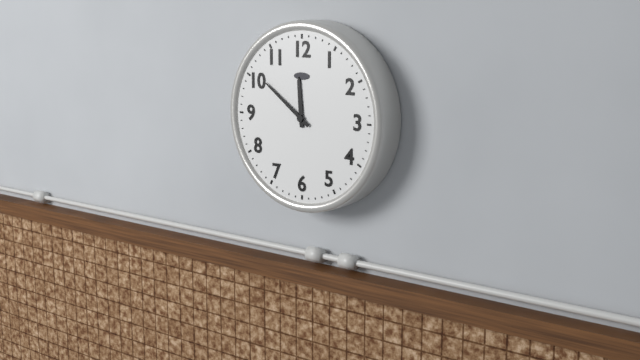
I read 11.51
